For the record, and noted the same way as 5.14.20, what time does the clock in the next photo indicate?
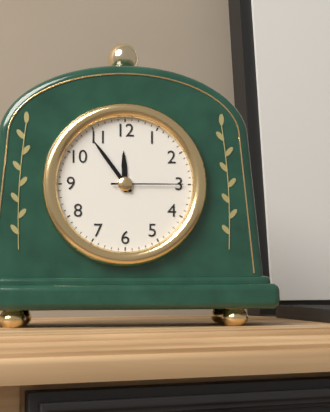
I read 11.54.15
